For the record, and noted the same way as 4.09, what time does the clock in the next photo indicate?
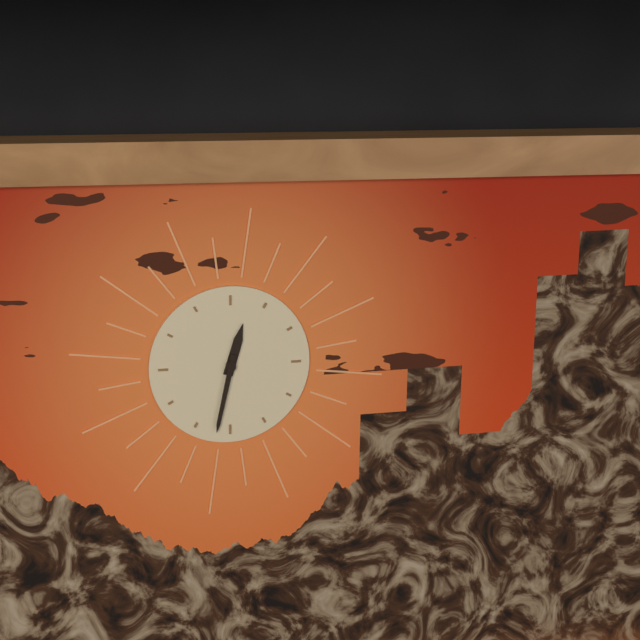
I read 12.32
